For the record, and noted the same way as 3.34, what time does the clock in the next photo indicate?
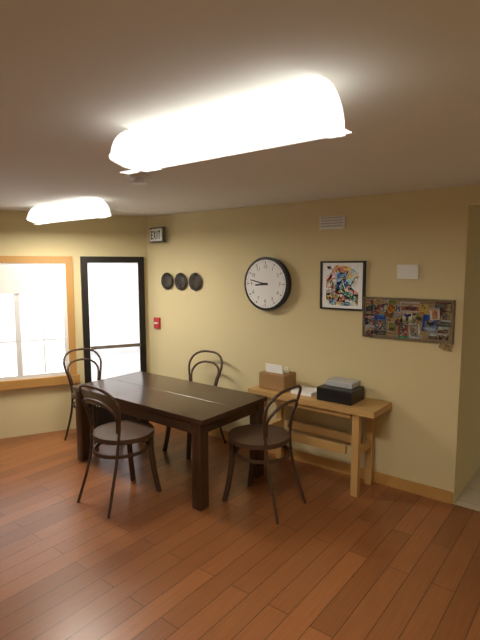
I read 8.47
